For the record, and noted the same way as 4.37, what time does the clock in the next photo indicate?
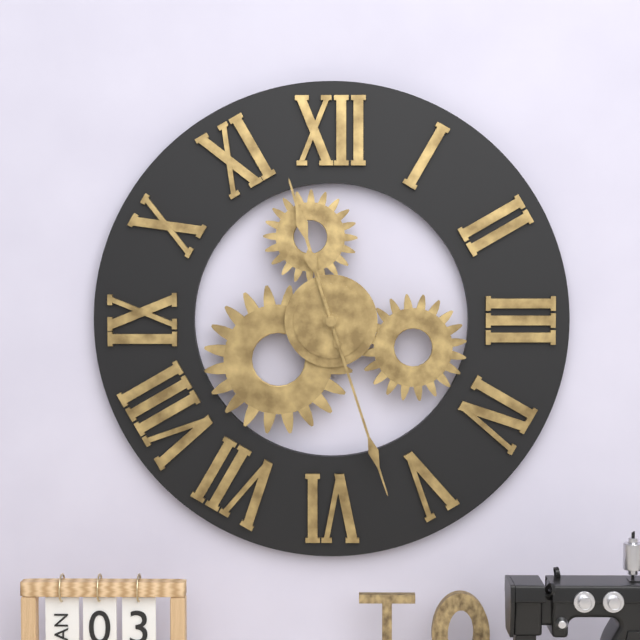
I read 11.27
